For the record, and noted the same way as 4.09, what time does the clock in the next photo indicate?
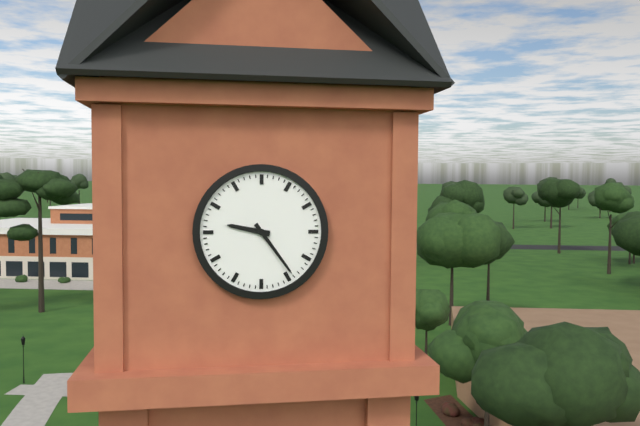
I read 9.24
